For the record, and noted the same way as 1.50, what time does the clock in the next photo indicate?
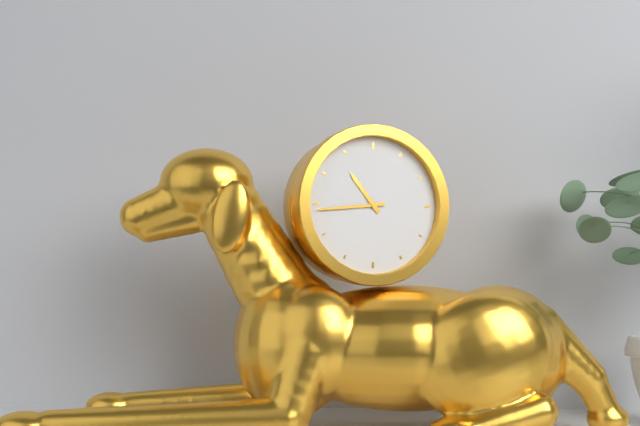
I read 10.44
